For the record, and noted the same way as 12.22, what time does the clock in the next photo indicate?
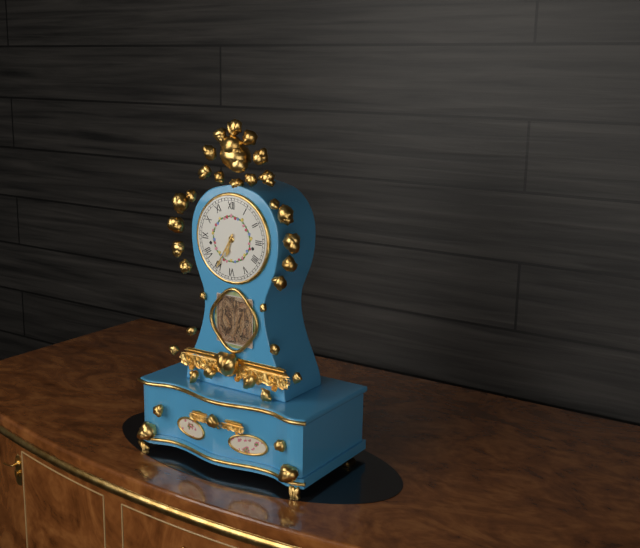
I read 6.35
